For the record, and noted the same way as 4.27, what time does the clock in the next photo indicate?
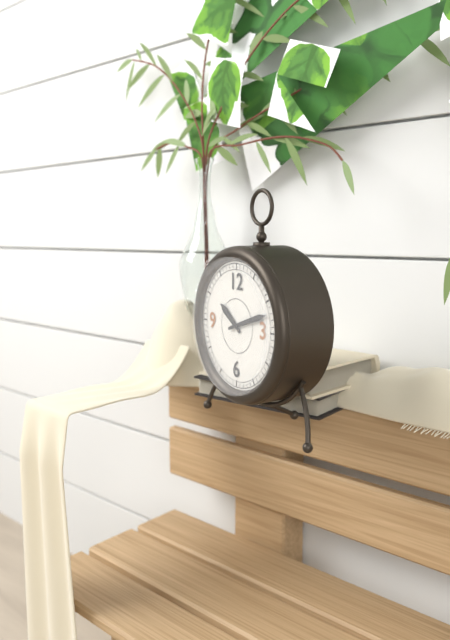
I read 10.12
